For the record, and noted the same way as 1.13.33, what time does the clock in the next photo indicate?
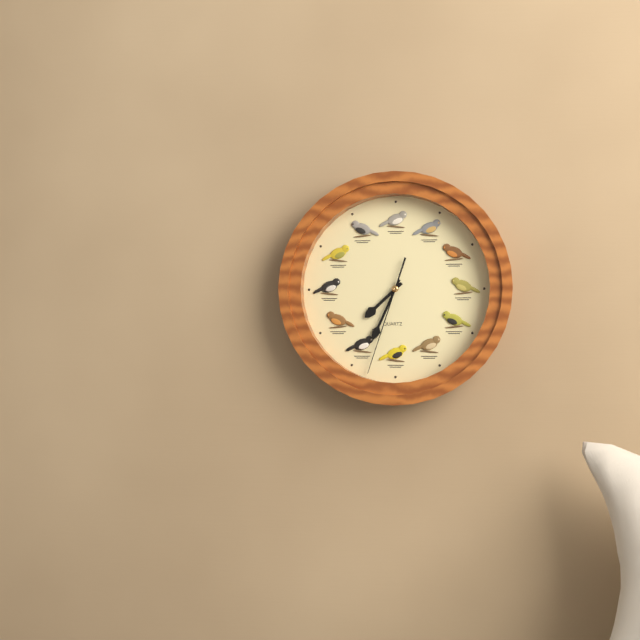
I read 7.34.33
